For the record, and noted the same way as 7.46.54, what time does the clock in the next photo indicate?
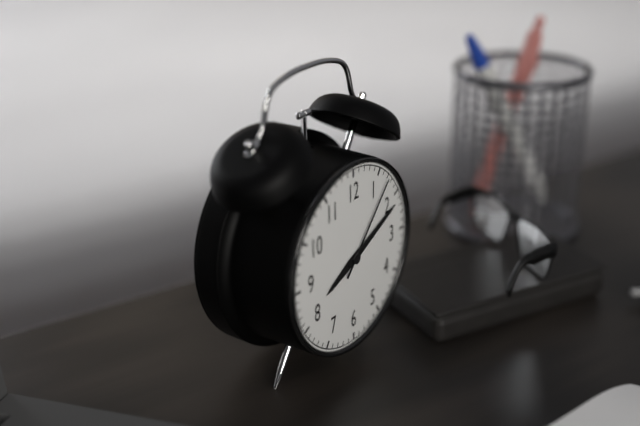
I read 8.11.07
